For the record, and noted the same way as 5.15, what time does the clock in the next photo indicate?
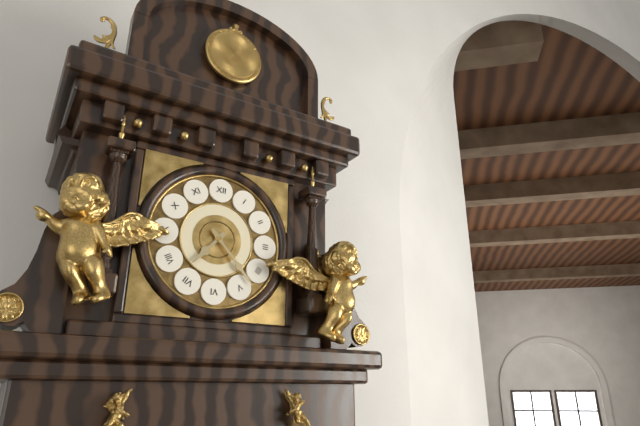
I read 7.23
